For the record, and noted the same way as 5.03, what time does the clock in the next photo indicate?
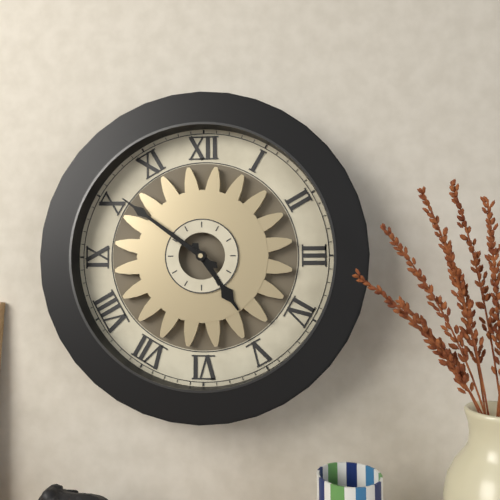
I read 4.51
